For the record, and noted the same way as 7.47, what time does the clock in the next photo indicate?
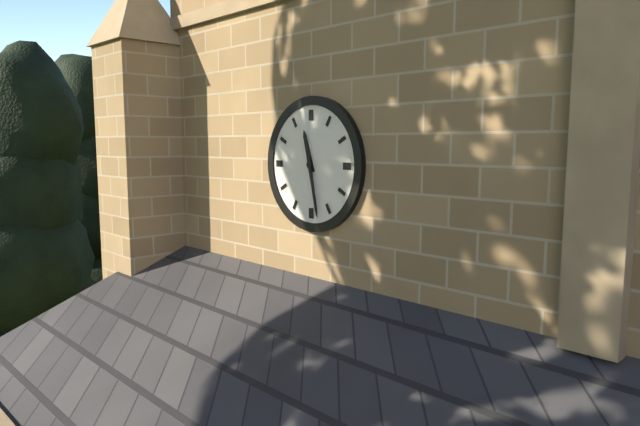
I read 11.28
